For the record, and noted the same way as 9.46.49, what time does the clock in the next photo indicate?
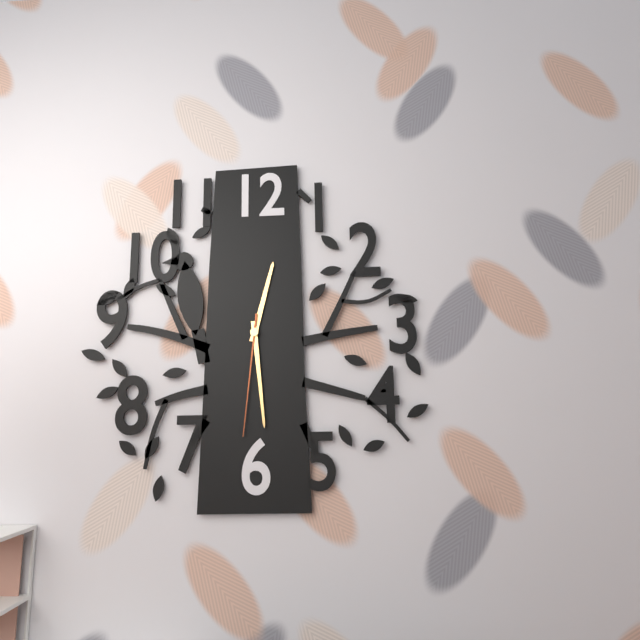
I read 12.29.31
